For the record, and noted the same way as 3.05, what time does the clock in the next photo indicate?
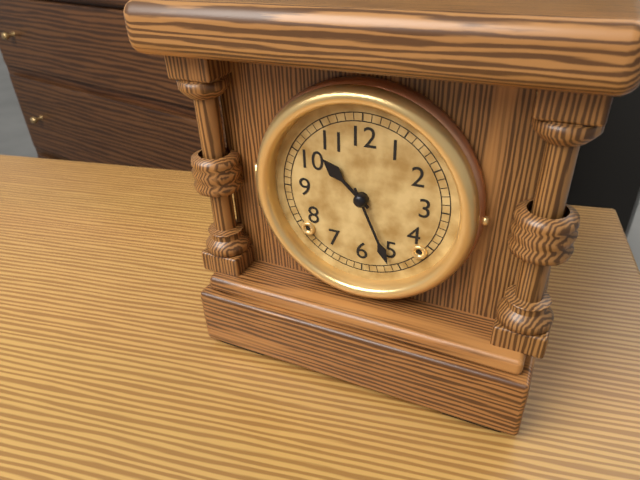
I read 10.26
